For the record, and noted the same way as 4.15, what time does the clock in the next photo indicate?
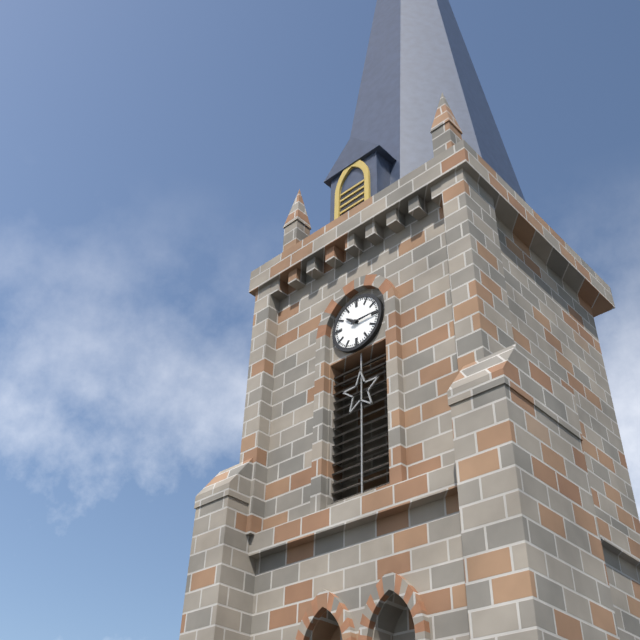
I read 10.15
